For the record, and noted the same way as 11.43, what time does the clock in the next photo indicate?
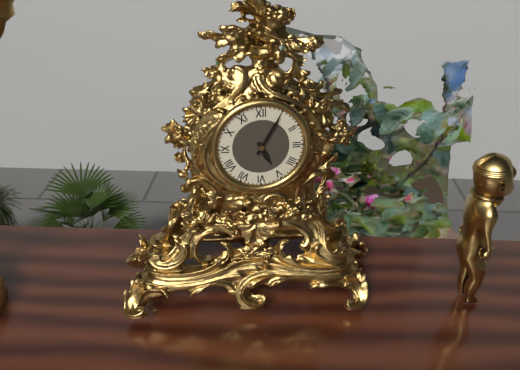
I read 5.05
